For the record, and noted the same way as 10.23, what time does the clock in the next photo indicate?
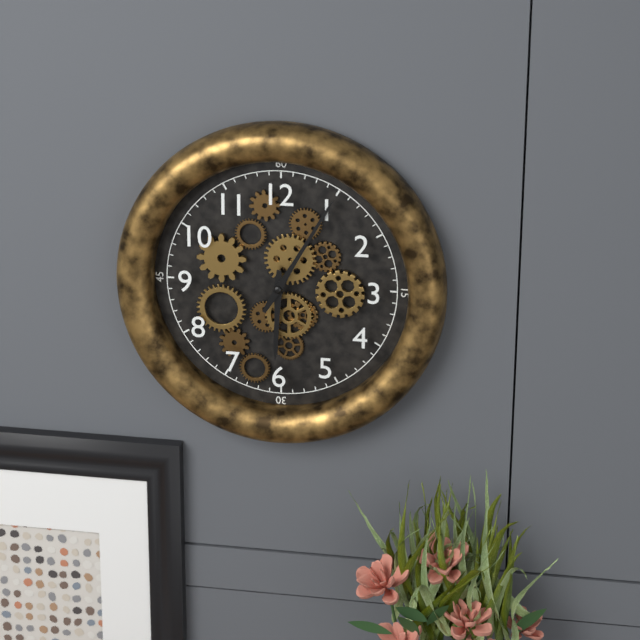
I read 6.05
